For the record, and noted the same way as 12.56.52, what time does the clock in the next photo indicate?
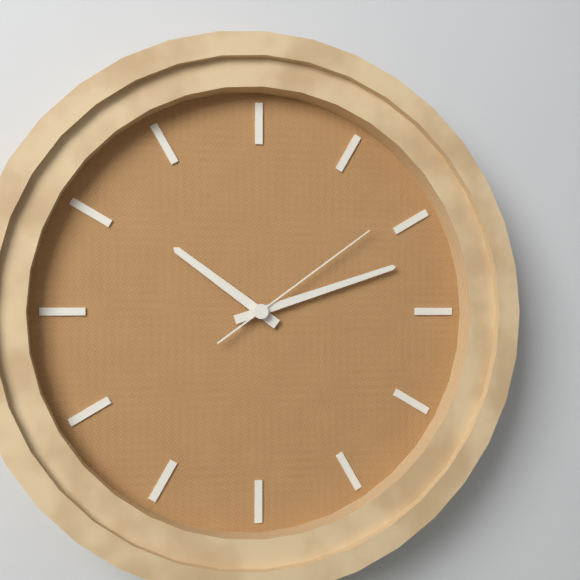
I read 10.12.09
